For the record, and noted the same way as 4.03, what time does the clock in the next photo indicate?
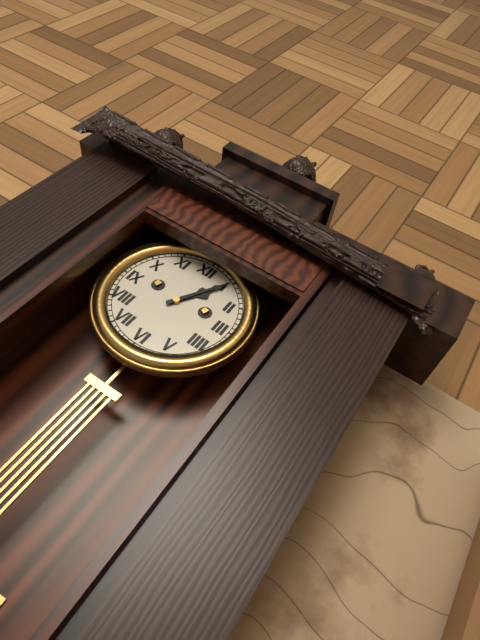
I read 1.05
